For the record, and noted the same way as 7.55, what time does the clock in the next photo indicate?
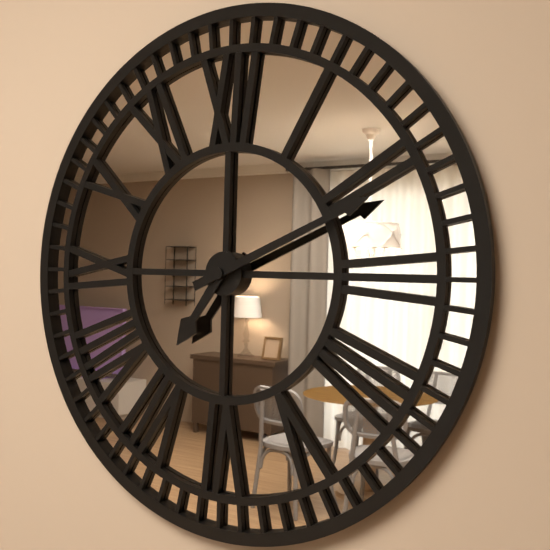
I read 7.11
